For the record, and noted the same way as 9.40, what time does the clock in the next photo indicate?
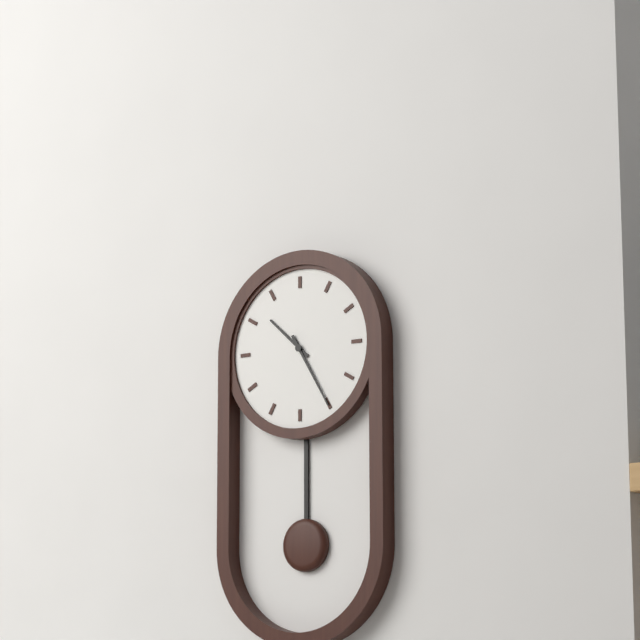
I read 10.25
